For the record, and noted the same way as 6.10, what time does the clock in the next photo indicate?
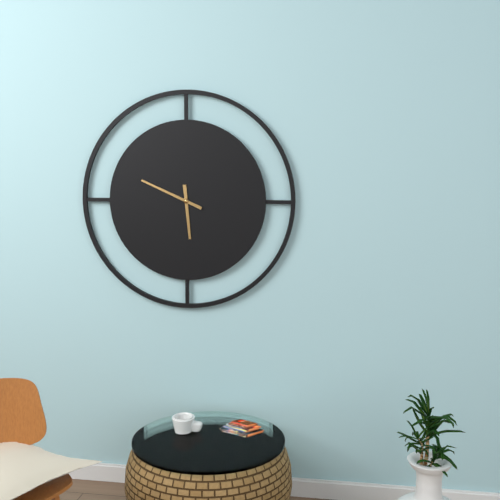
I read 5.49
